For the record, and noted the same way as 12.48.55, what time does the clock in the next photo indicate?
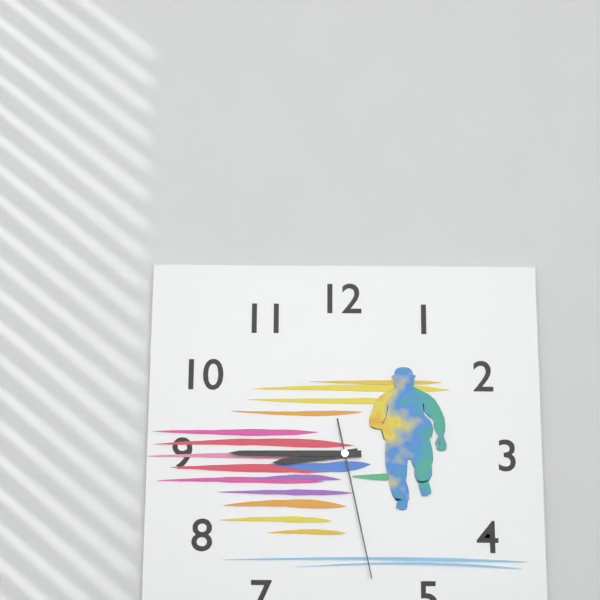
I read 8.45.28
